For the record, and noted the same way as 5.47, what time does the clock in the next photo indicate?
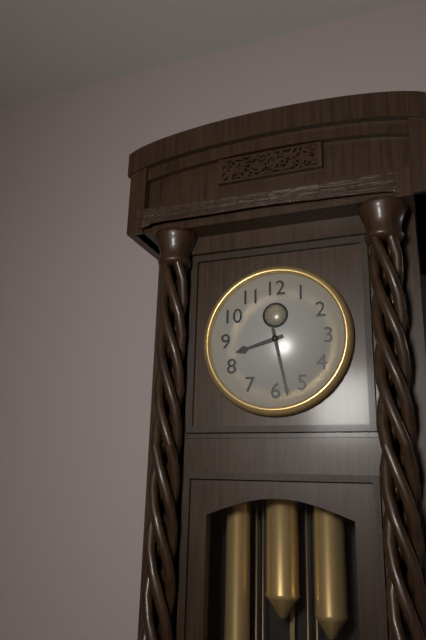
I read 8.28
